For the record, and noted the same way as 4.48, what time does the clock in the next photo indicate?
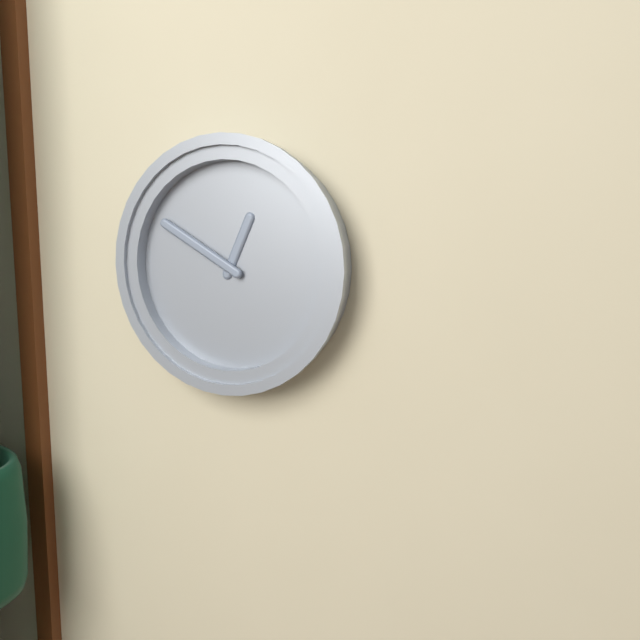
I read 12.50
